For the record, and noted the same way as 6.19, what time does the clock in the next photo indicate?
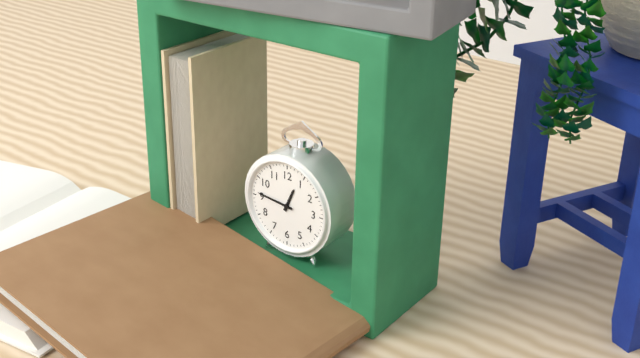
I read 12.46
